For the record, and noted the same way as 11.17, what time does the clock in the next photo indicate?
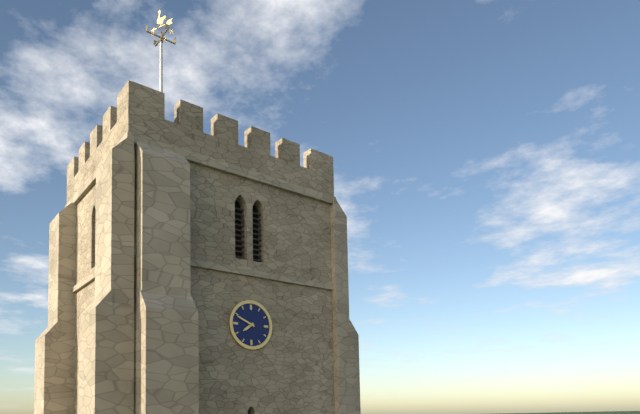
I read 7.49
